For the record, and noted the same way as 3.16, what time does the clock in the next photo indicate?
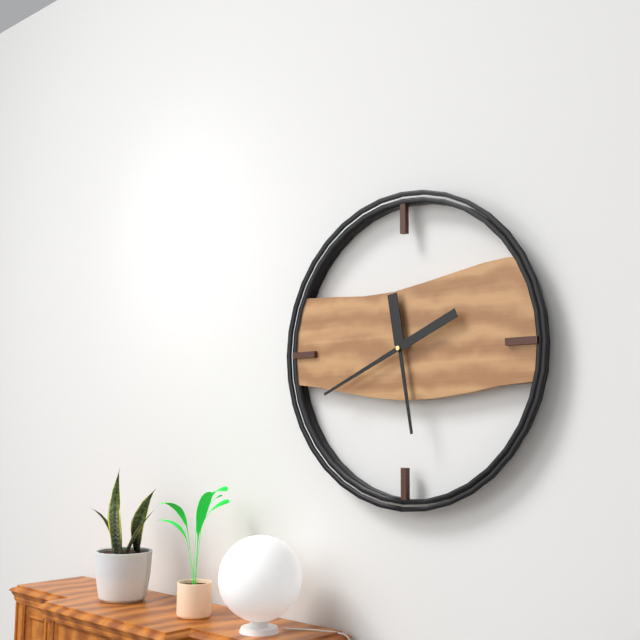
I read 5.41
